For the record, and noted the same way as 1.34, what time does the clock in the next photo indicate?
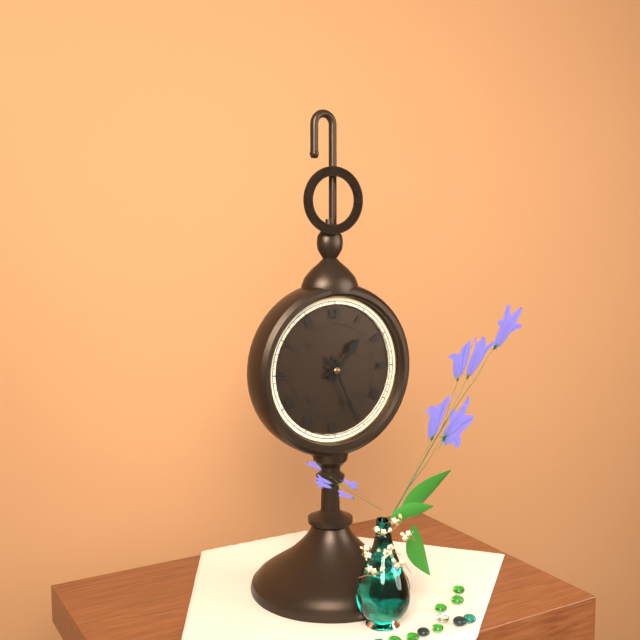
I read 1.26
